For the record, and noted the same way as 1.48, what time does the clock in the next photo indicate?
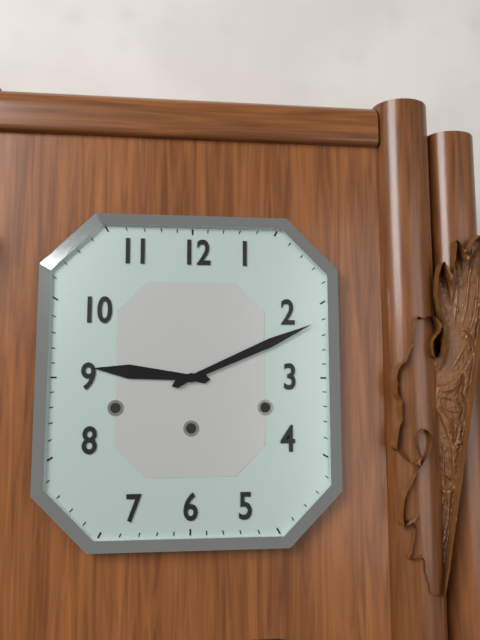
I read 9.11
